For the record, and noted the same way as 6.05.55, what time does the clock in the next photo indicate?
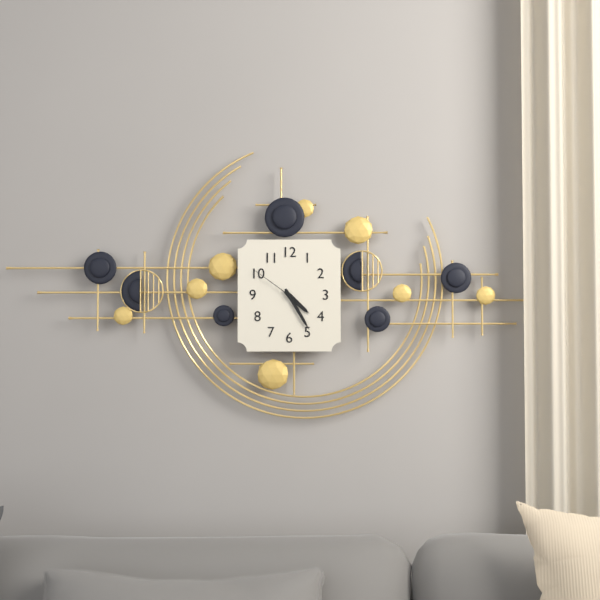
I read 4.25.51
